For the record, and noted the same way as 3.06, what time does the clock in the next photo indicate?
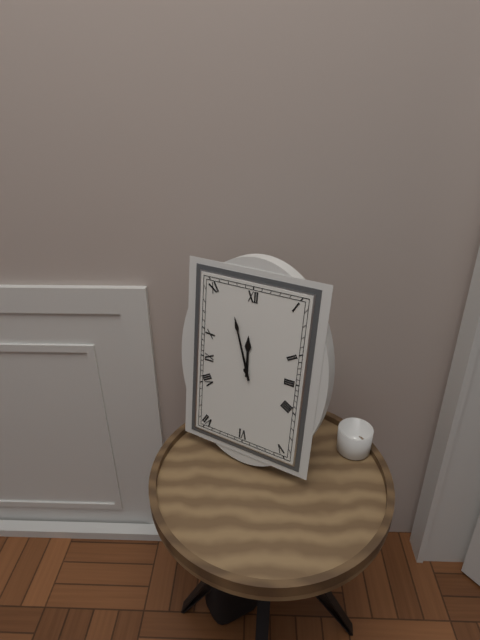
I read 11.57
